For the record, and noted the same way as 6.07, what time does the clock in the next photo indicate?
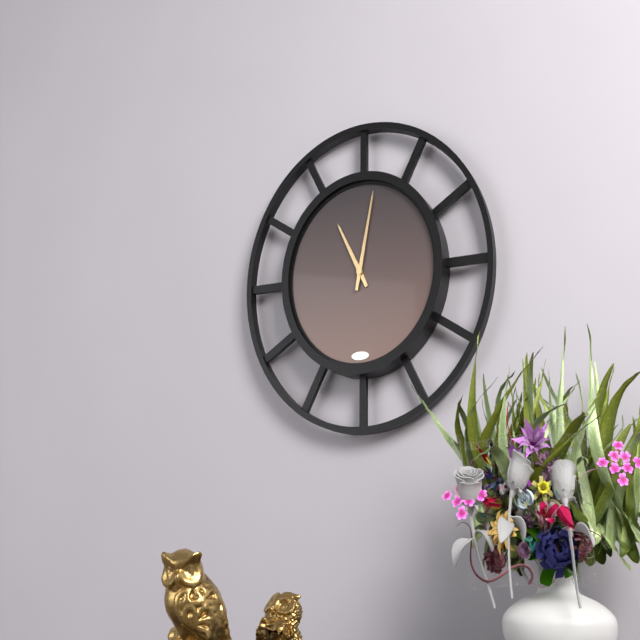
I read 11.02
